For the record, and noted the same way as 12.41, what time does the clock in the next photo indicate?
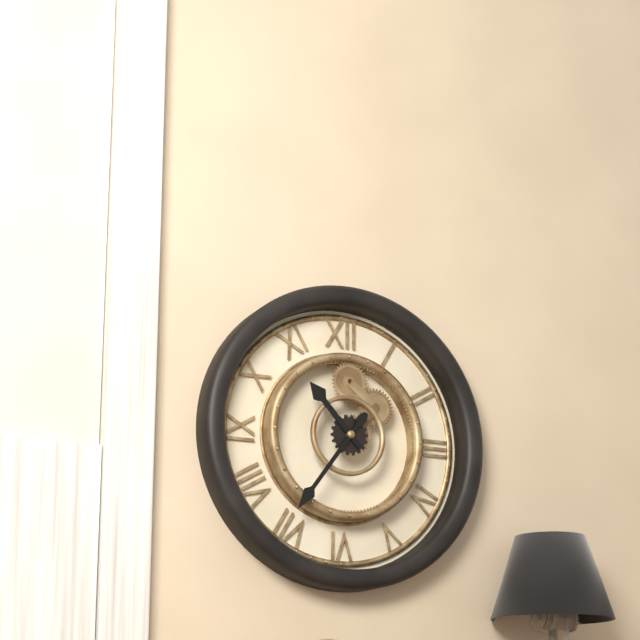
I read 10.36
